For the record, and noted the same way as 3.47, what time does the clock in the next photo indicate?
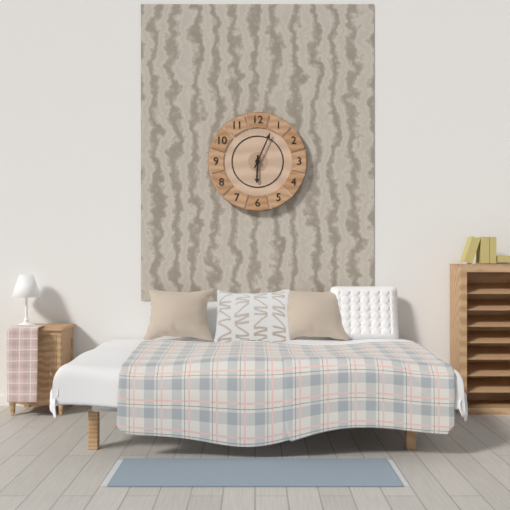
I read 6.04
